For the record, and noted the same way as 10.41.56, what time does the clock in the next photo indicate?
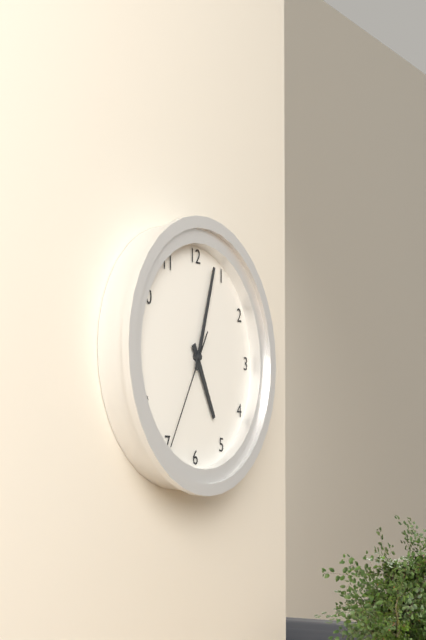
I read 5.03.35
